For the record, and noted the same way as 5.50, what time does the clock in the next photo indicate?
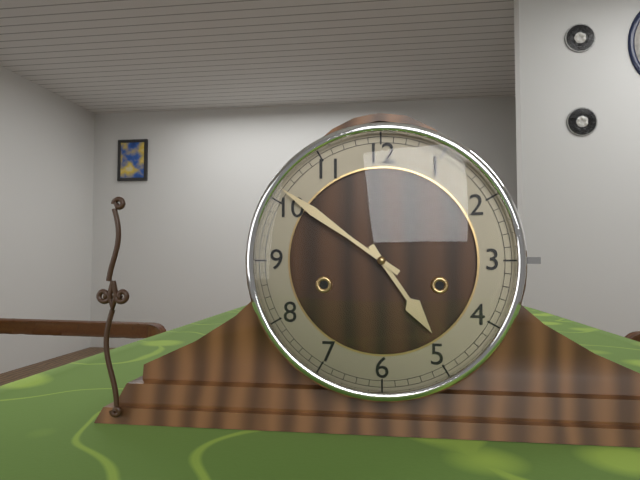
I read 4.51
